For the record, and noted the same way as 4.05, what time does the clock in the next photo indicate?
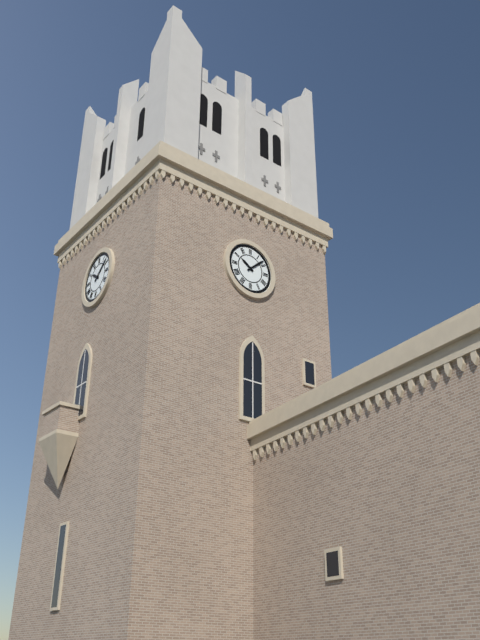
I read 10.08
